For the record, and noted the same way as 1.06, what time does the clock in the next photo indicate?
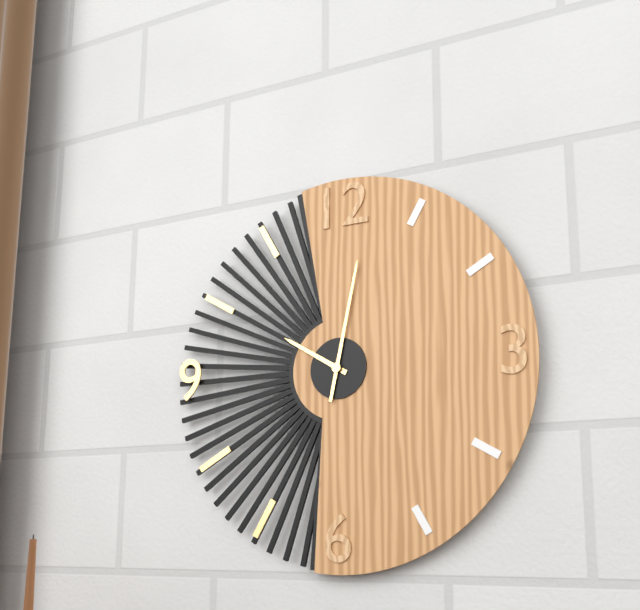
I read 10.02
